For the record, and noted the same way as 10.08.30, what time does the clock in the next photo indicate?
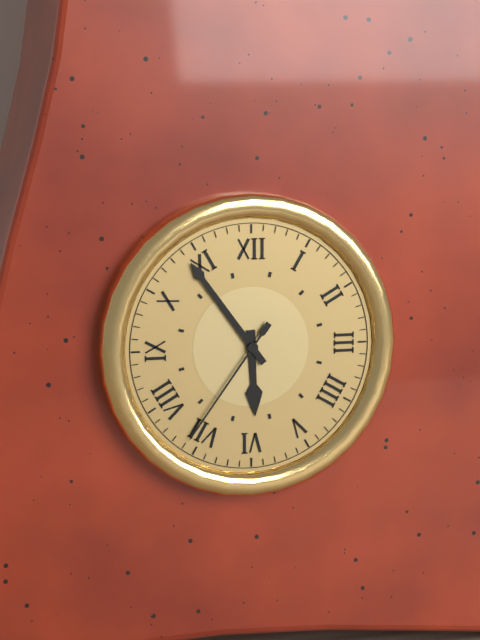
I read 5.54.36
